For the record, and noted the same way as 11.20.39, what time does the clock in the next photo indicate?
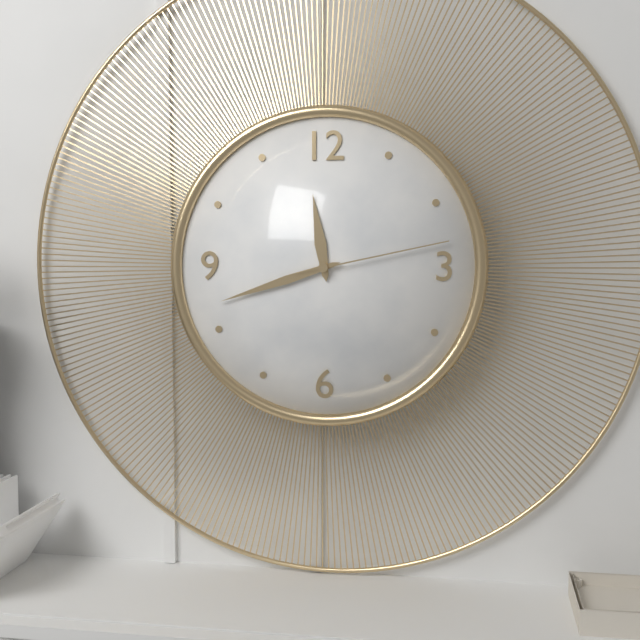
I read 11.42.13
